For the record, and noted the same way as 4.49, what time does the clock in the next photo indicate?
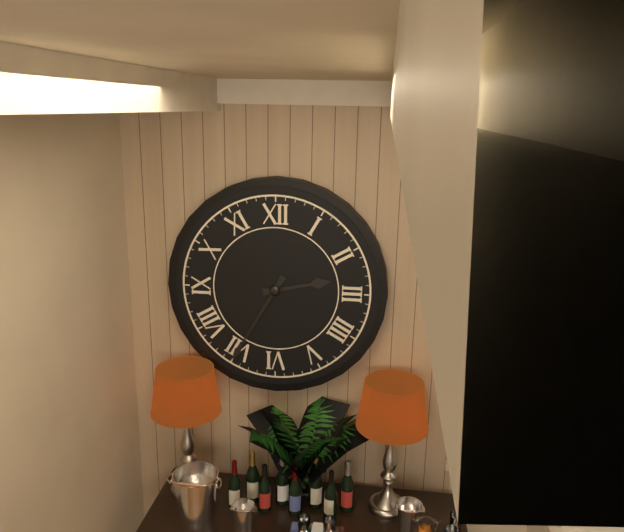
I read 2.35
